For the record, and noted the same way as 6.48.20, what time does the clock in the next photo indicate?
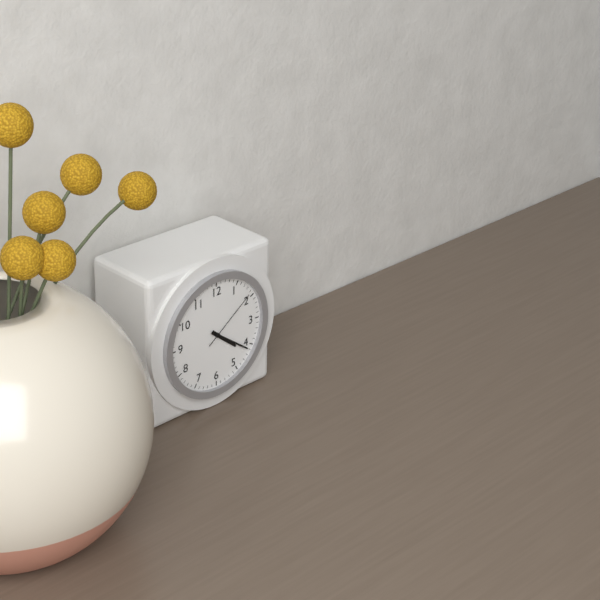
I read 4.21.09
